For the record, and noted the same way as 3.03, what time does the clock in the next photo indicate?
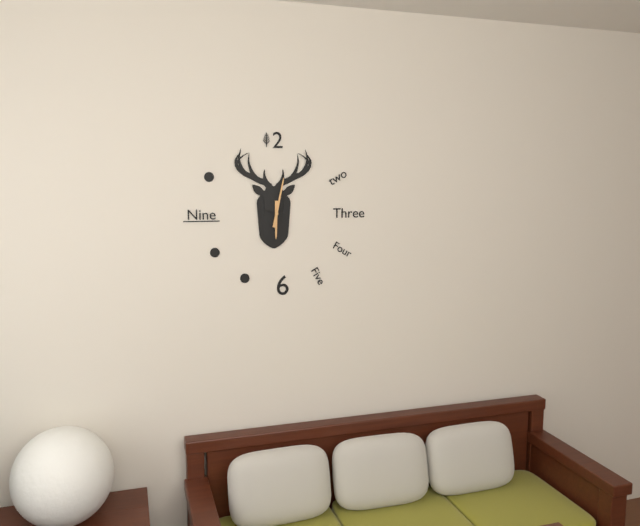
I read 6.02
